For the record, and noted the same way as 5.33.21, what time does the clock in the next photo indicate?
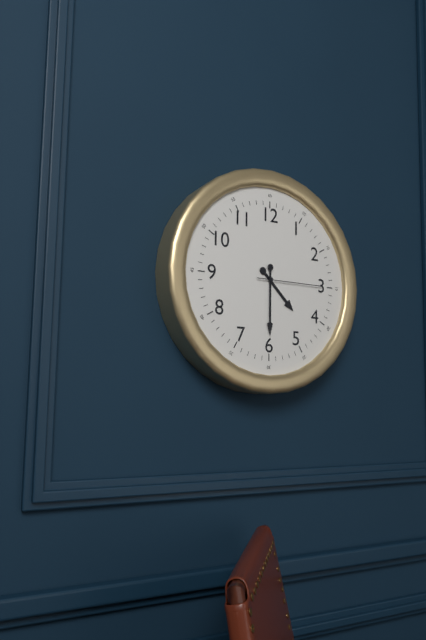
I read 4.30.15
